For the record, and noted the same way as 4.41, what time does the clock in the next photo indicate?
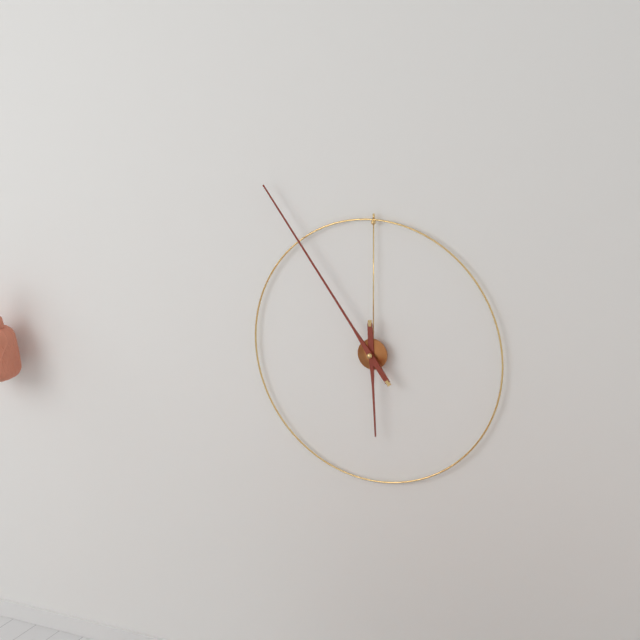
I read 5.54
